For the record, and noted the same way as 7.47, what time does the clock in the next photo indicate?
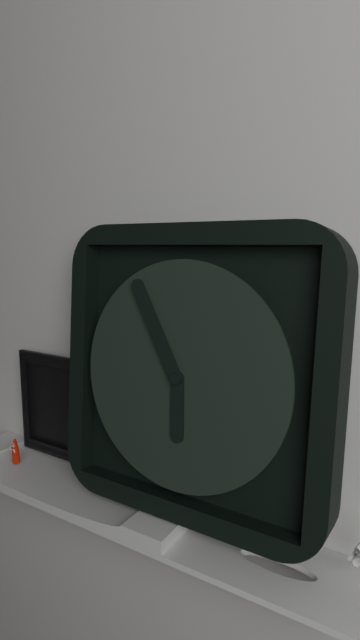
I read 5.55
